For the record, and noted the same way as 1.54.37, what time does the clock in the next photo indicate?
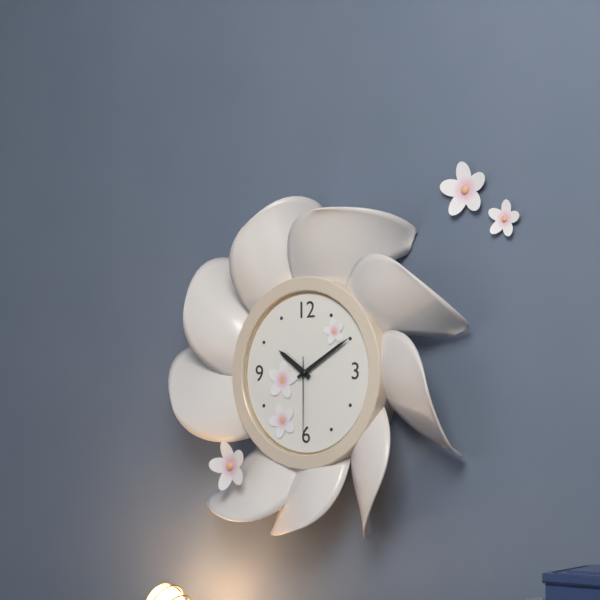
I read 10.10.30
